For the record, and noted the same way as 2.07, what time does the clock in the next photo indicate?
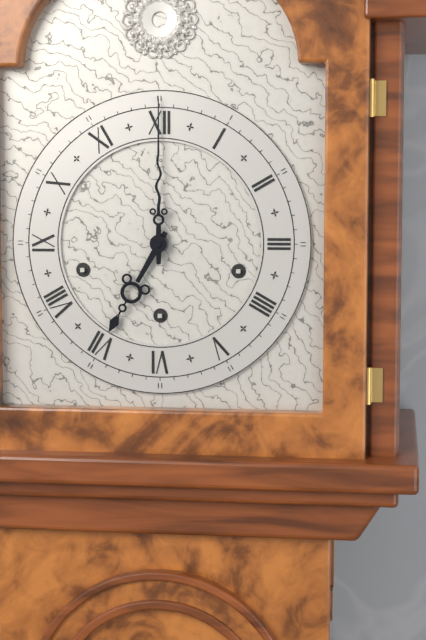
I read 7.00
